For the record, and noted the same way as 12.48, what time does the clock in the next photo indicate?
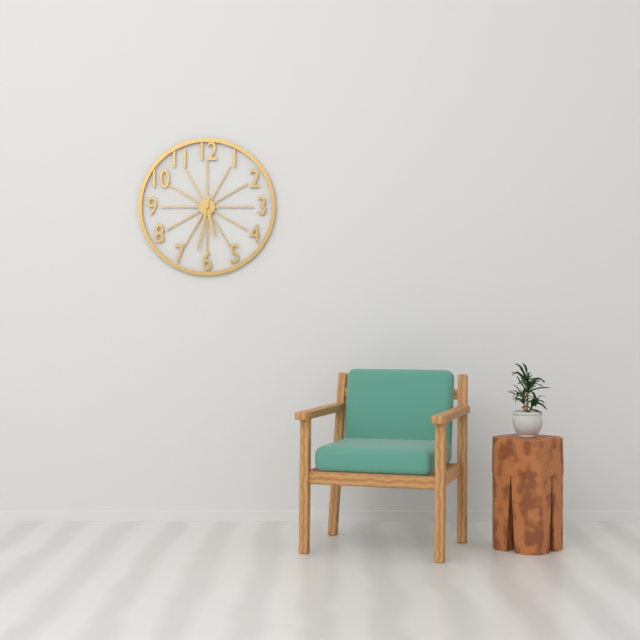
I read 5.32
